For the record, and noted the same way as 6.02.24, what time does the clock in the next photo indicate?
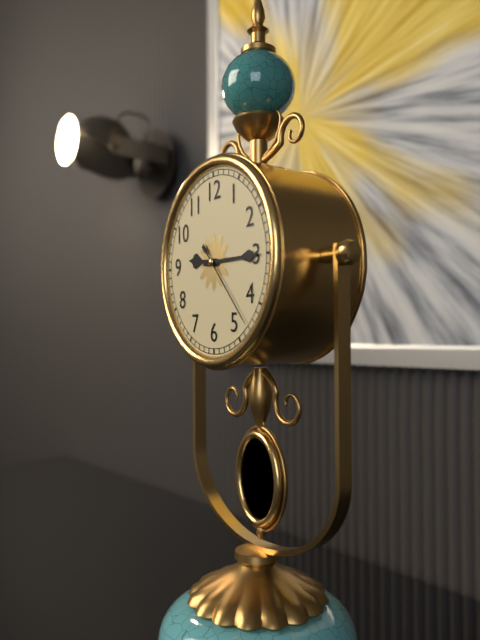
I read 9.15.23
